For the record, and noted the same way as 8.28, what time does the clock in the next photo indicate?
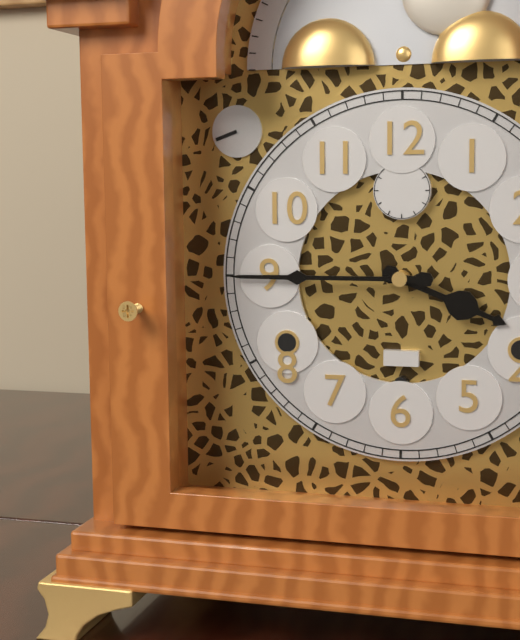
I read 3.45
